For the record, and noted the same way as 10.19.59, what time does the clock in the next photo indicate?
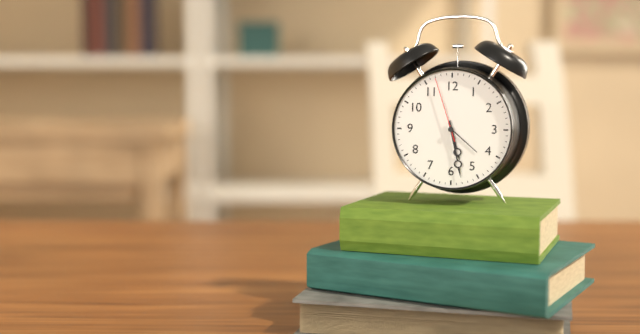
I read 5.28.57
